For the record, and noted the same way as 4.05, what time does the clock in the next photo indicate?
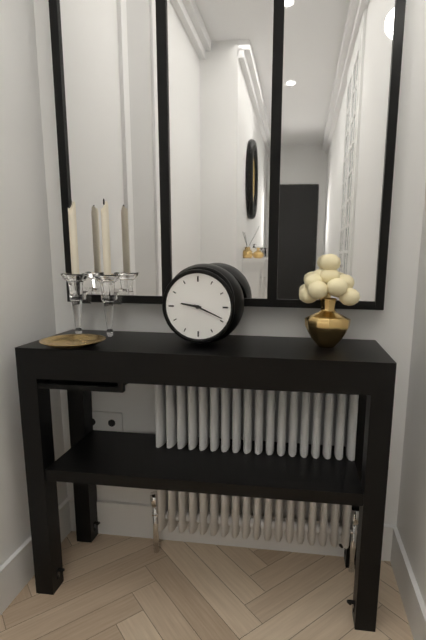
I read 9.19
